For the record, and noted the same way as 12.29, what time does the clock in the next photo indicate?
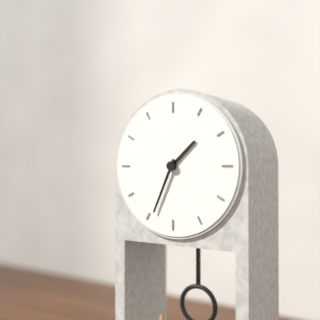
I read 1.34
